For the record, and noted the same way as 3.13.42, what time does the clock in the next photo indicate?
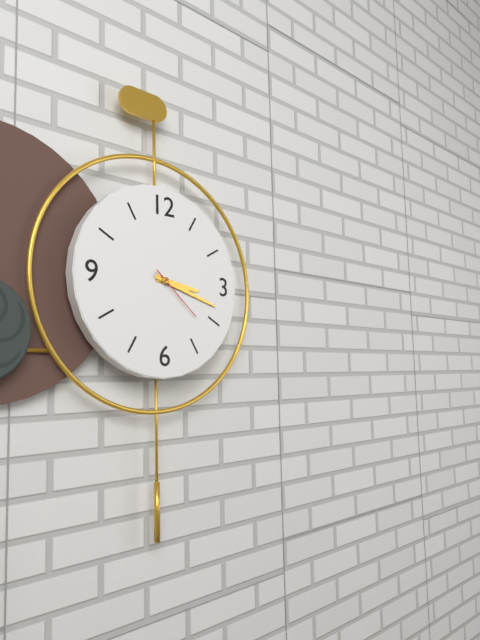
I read 3.18.22
